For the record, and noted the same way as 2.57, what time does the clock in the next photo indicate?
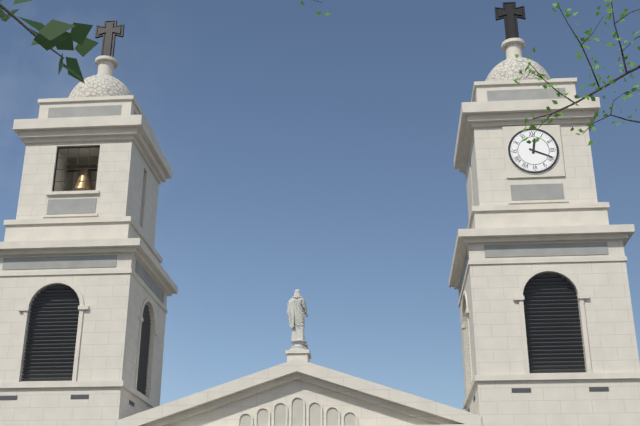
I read 12.19
